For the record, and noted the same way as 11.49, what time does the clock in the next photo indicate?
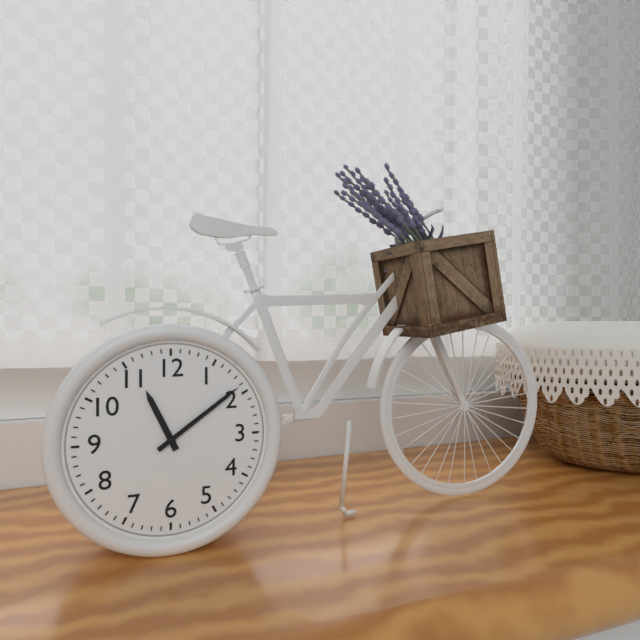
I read 11.09
